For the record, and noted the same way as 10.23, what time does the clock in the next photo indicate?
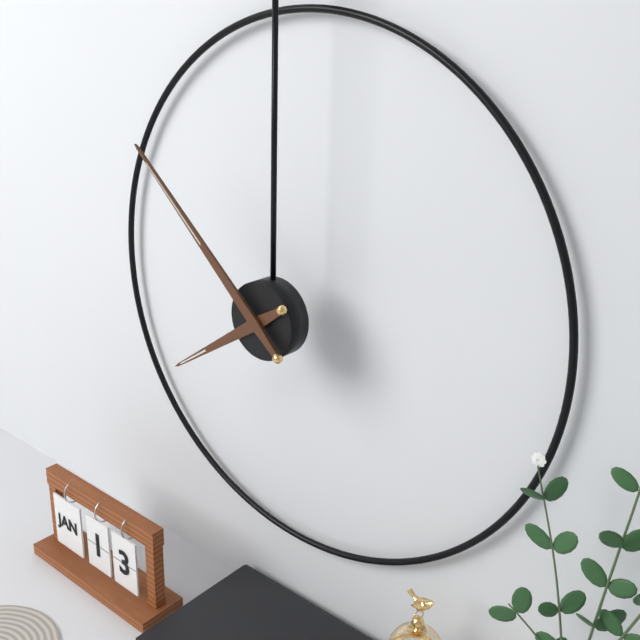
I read 7.52
